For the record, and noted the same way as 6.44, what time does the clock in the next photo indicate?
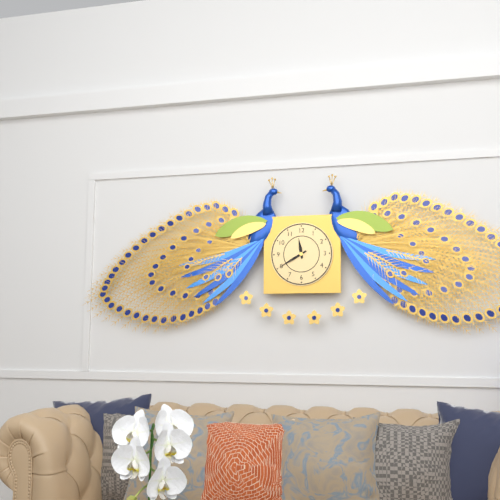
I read 11.40
